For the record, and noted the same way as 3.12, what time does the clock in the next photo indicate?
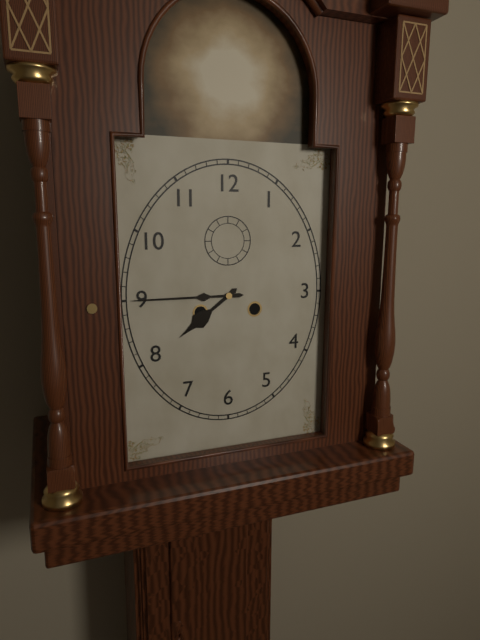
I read 7.45
